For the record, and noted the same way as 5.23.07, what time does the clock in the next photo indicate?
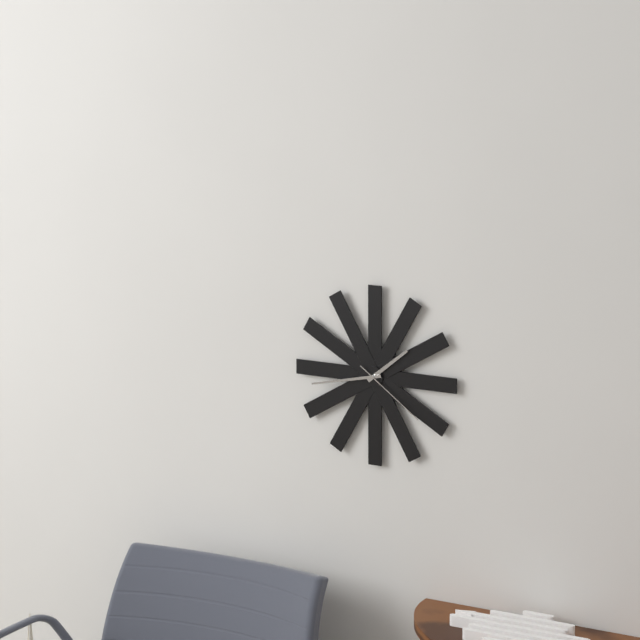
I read 1.43.21
